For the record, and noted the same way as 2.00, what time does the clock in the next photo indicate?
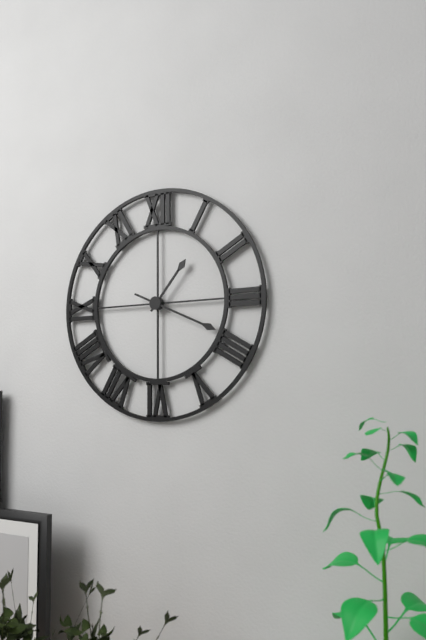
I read 1.19
